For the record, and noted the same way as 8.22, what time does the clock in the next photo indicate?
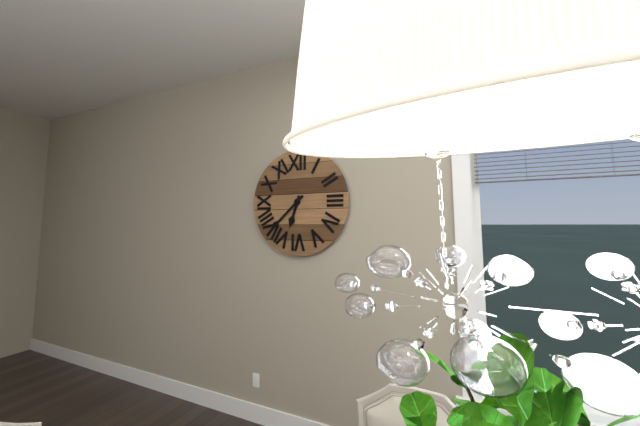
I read 6.38
